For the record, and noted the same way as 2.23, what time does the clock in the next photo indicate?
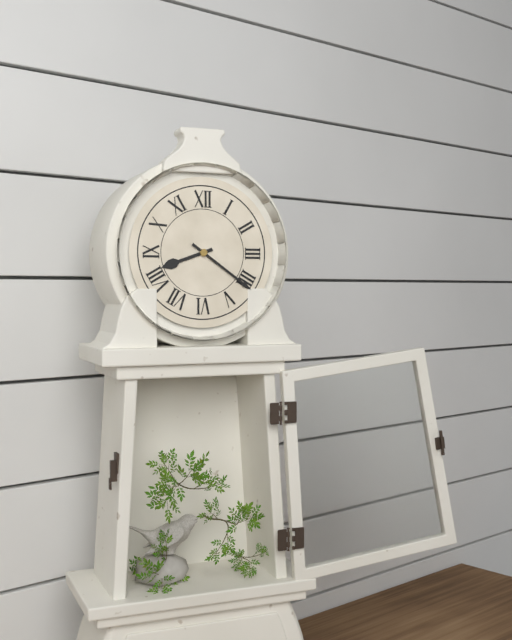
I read 8.21
